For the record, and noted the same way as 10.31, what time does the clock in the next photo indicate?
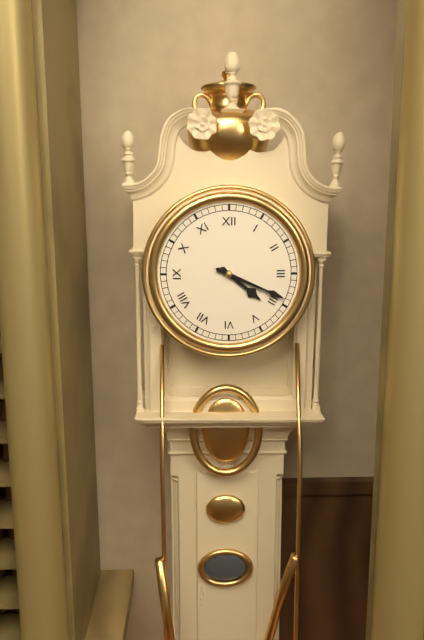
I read 4.19
